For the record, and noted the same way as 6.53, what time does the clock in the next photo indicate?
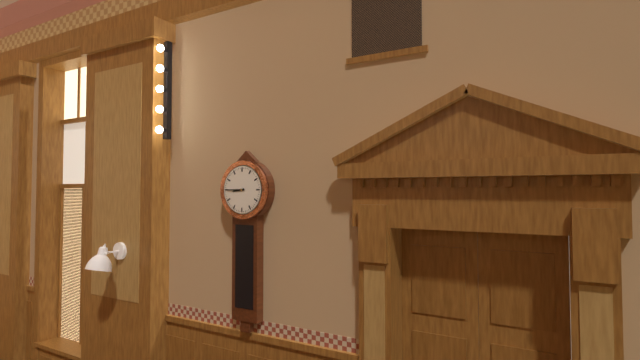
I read 8.45
